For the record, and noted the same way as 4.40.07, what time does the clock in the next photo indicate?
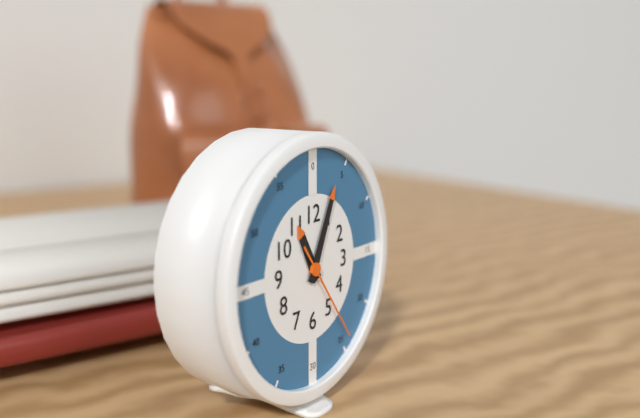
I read 11.04.24
